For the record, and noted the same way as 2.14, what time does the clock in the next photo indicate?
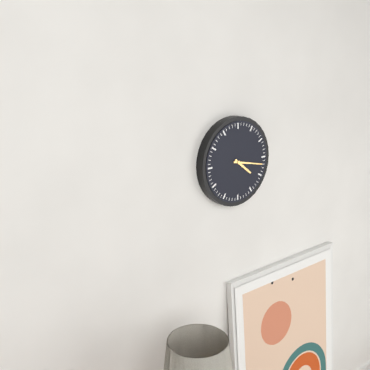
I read 4.17
